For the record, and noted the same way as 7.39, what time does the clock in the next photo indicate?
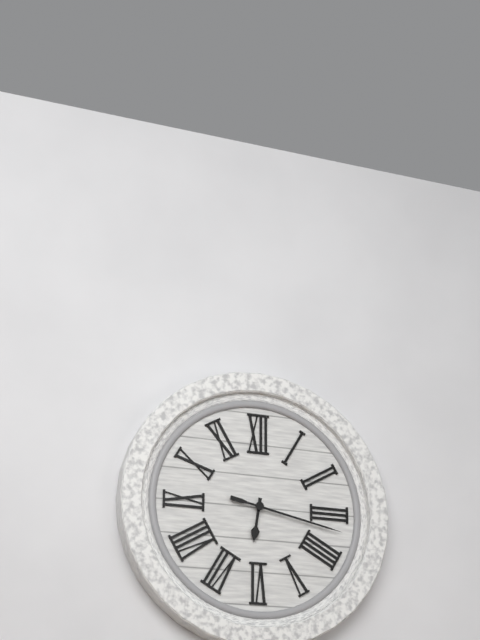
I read 6.17
